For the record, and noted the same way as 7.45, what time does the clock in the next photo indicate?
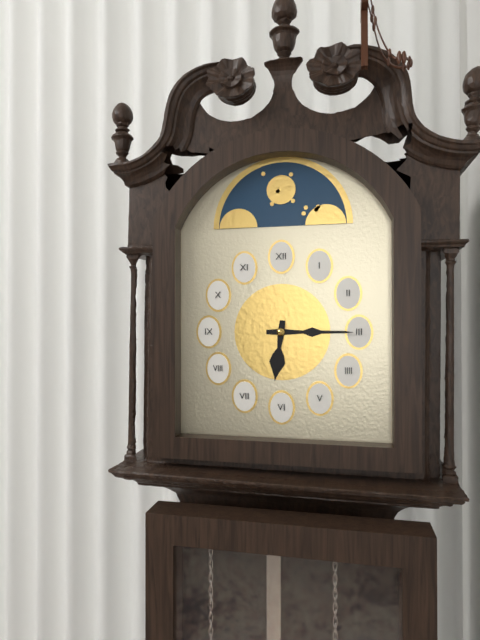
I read 6.15
